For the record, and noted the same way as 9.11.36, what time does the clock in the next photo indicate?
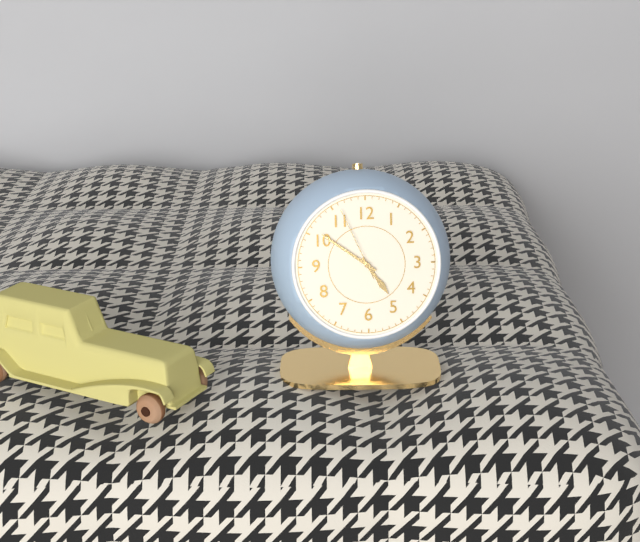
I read 4.51.56
